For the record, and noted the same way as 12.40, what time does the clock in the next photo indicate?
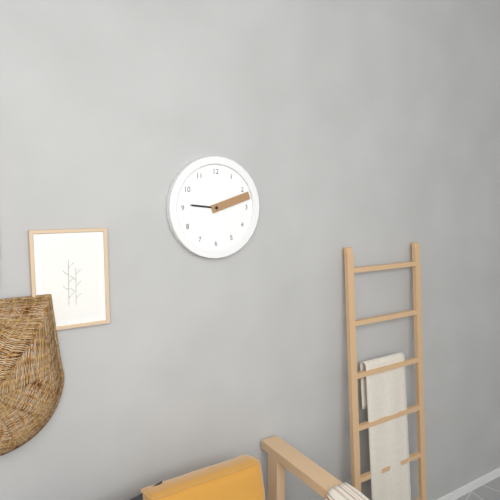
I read 9.12
